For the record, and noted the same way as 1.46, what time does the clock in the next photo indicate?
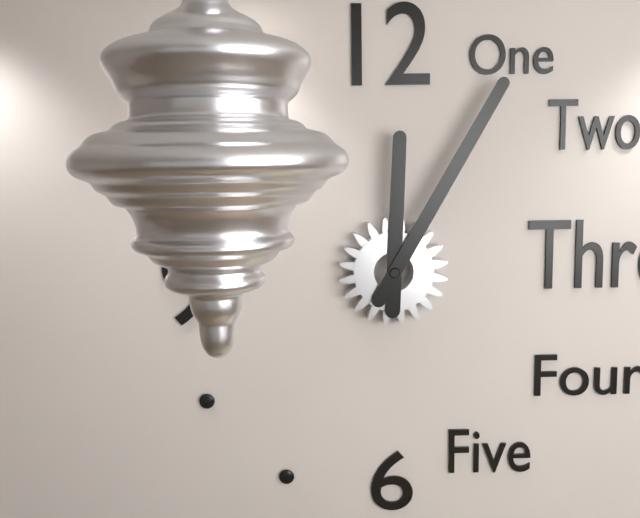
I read 12.05
